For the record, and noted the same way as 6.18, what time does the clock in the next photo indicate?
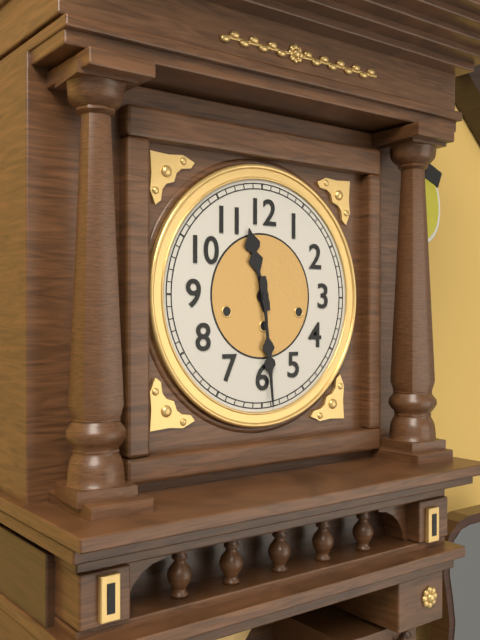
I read 11.29
